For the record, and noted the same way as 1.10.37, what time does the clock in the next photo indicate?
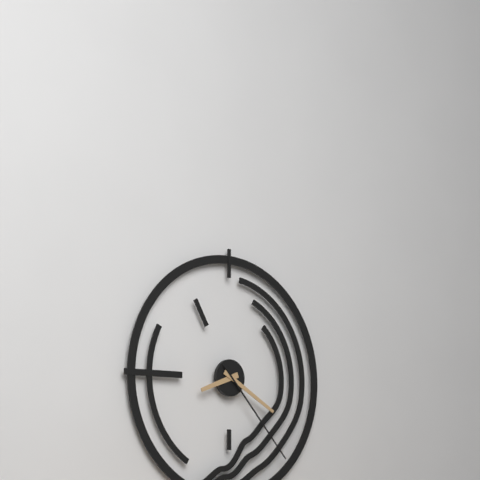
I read 8.20.23
